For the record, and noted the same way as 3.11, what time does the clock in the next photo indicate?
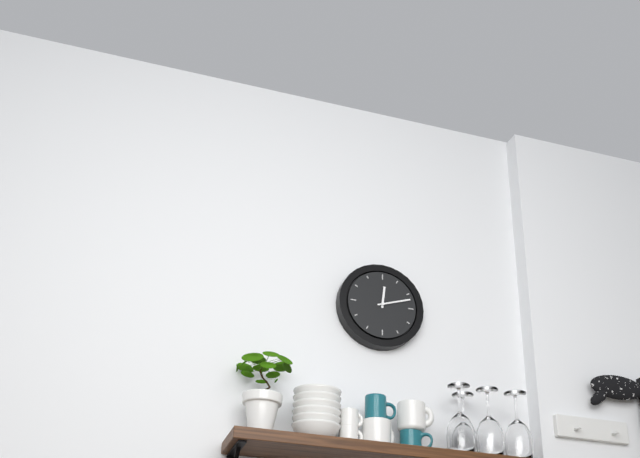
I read 12.12
